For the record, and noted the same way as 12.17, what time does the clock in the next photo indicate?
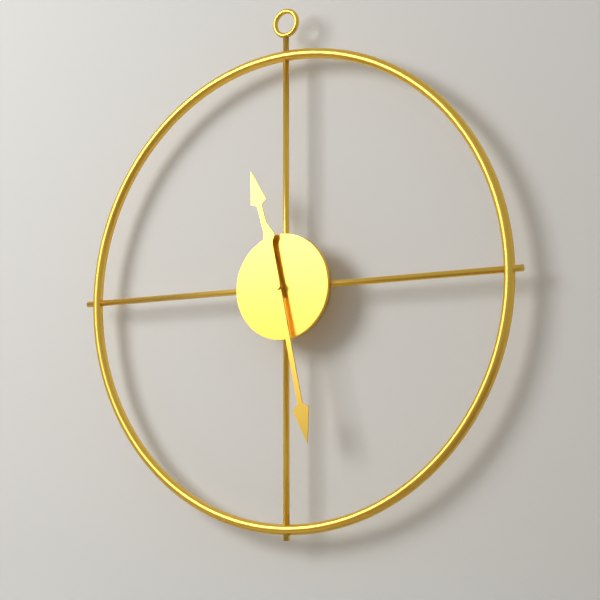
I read 11.28
